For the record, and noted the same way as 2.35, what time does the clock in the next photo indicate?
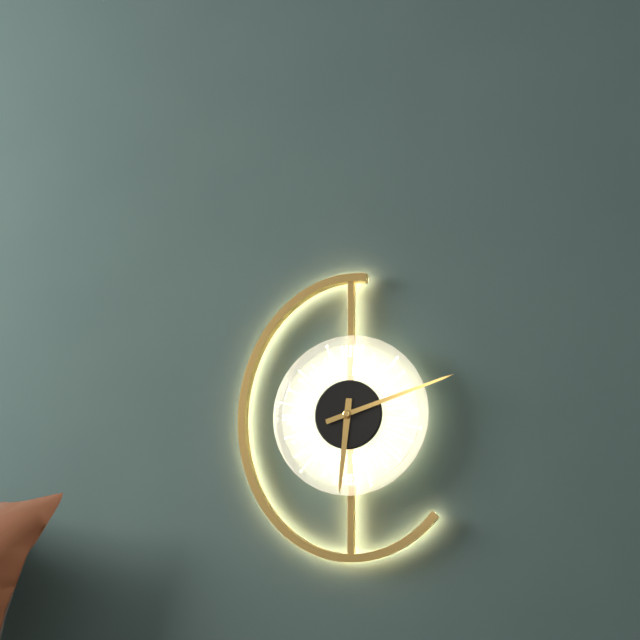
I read 6.12
